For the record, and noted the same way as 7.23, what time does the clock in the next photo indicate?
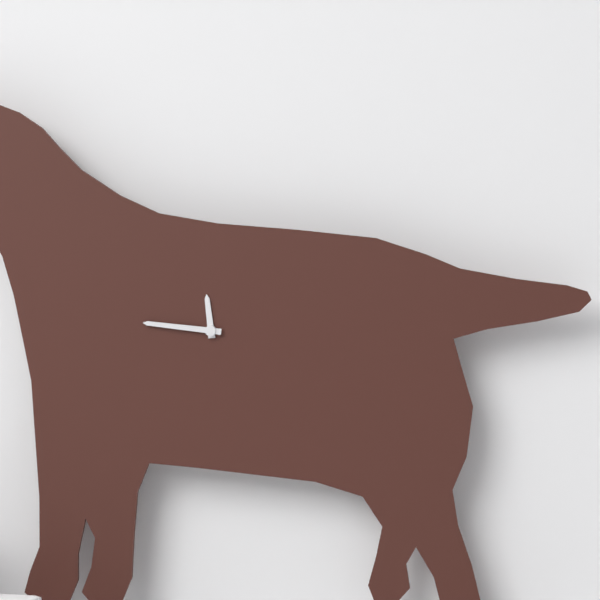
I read 11.46
